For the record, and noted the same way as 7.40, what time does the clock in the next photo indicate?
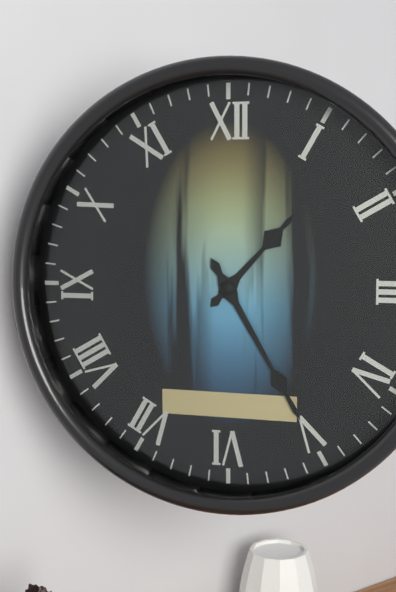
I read 1.25
